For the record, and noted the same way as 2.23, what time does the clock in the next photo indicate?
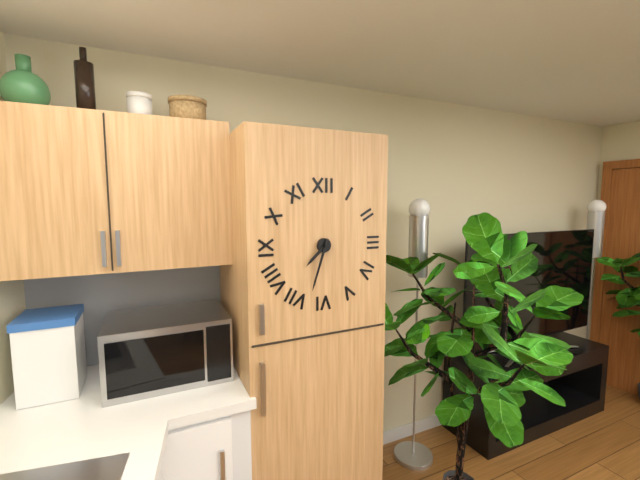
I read 7.33
